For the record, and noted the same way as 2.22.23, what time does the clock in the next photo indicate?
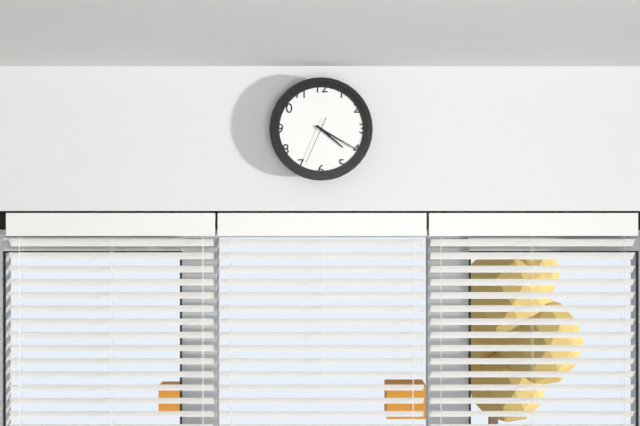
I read 4.20.34
